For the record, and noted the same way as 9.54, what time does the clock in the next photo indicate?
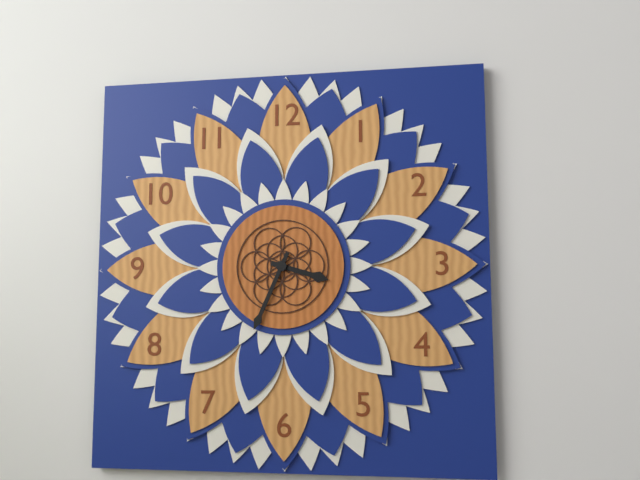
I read 3.34
